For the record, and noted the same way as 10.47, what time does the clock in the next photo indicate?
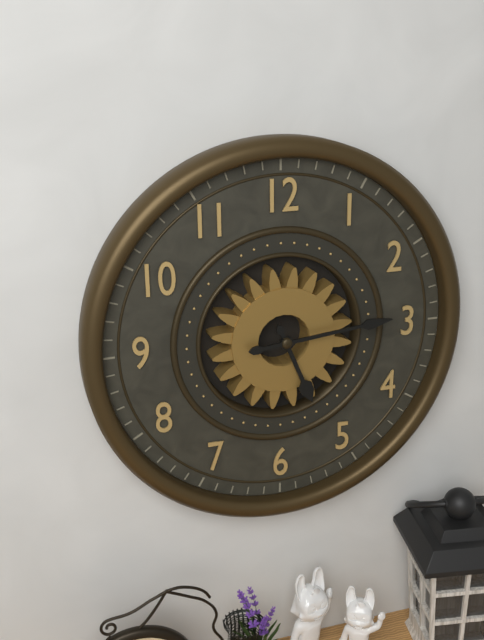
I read 5.14
